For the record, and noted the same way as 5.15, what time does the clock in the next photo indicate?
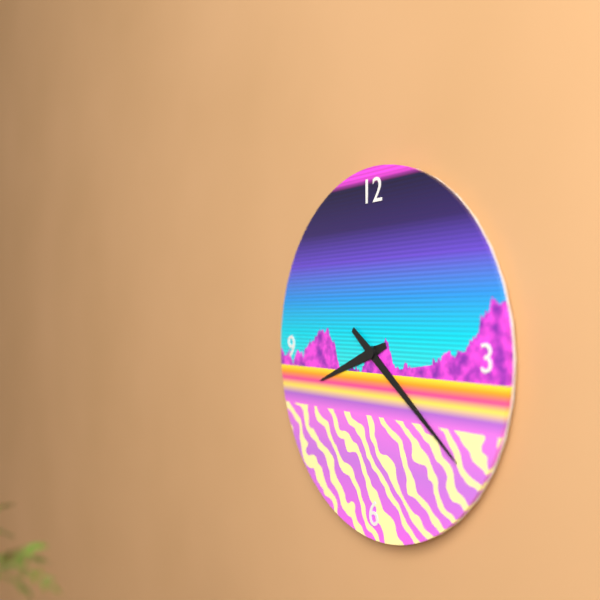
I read 8.21
